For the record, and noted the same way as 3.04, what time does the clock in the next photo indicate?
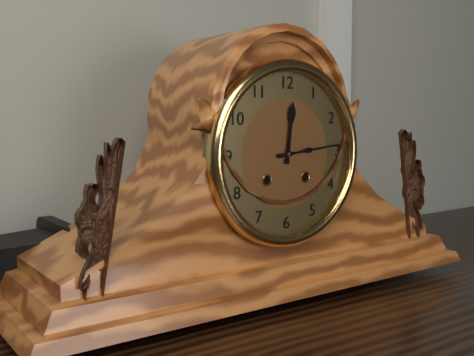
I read 12.14
